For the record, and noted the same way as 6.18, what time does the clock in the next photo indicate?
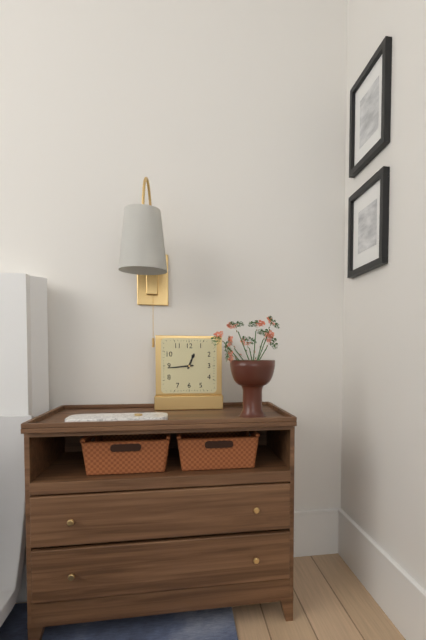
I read 12.44
